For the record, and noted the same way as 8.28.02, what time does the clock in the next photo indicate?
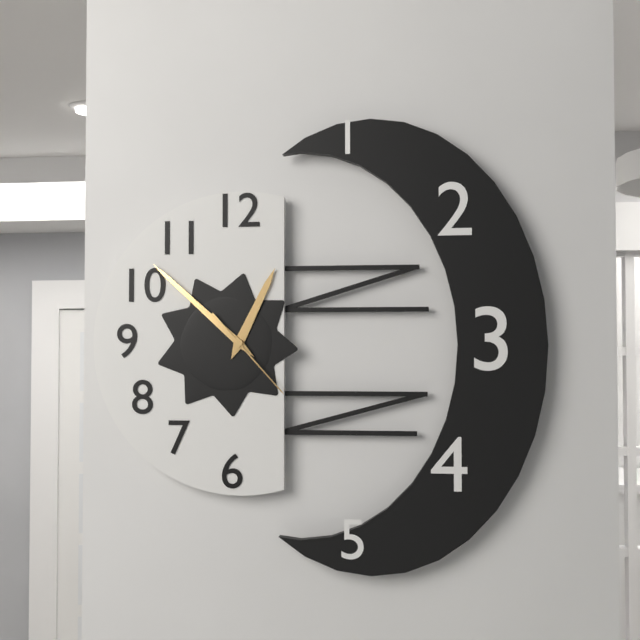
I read 12.52.23
